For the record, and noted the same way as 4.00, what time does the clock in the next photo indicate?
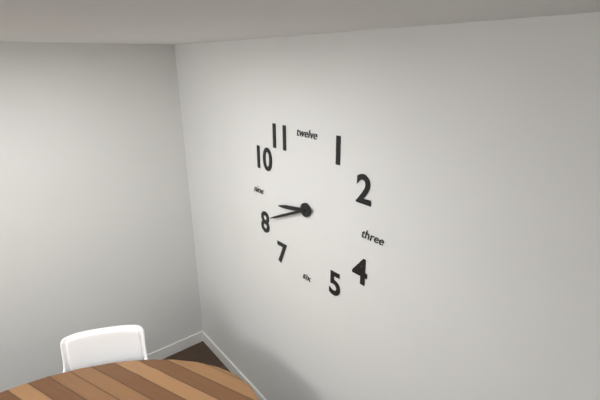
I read 8.41
